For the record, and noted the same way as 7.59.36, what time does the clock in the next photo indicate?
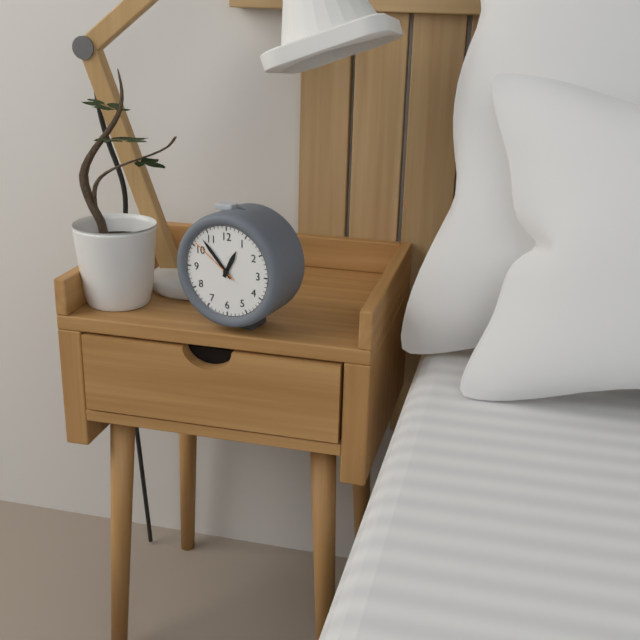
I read 12.53.51
